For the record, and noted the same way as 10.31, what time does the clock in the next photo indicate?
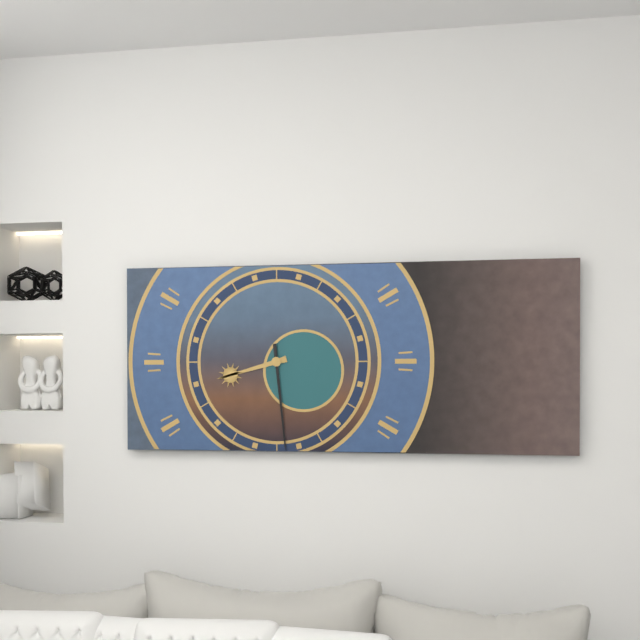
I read 8.29
